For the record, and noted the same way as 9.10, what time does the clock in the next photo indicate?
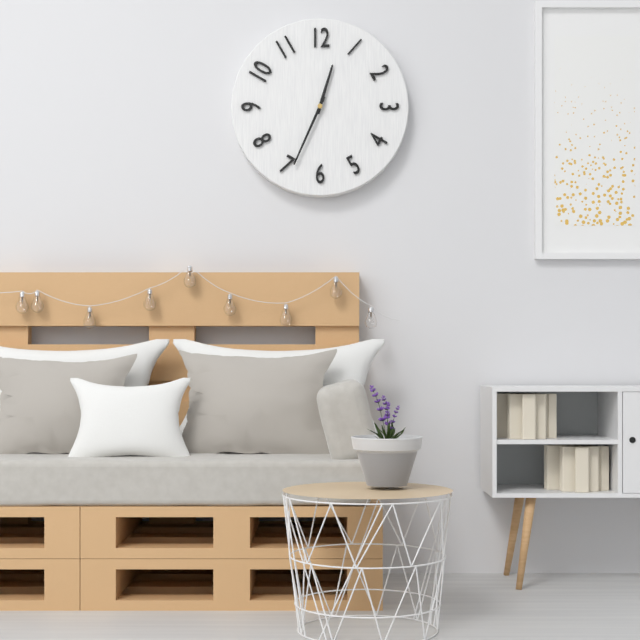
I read 12.34
